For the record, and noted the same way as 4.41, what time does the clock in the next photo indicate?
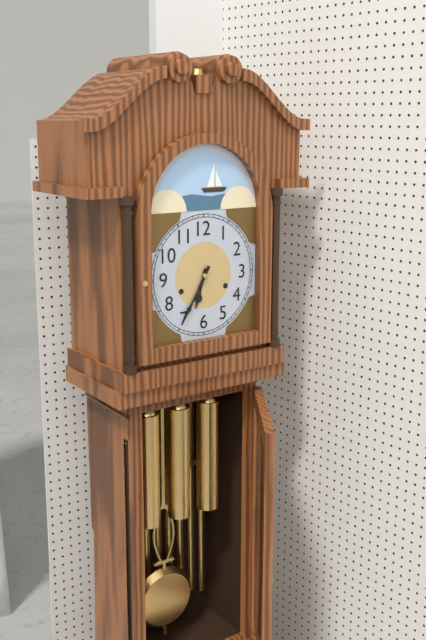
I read 6.35
